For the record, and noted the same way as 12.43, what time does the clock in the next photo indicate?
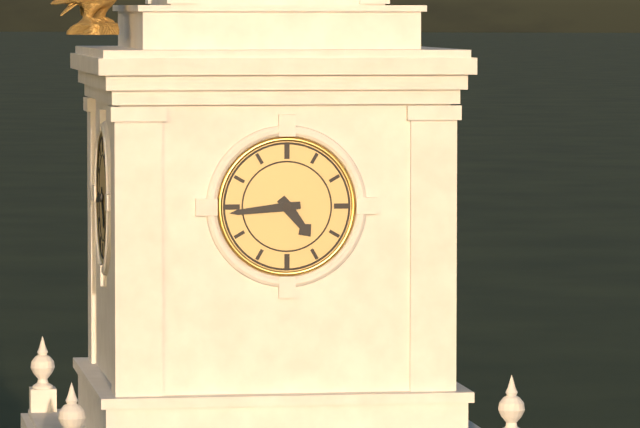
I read 4.44
